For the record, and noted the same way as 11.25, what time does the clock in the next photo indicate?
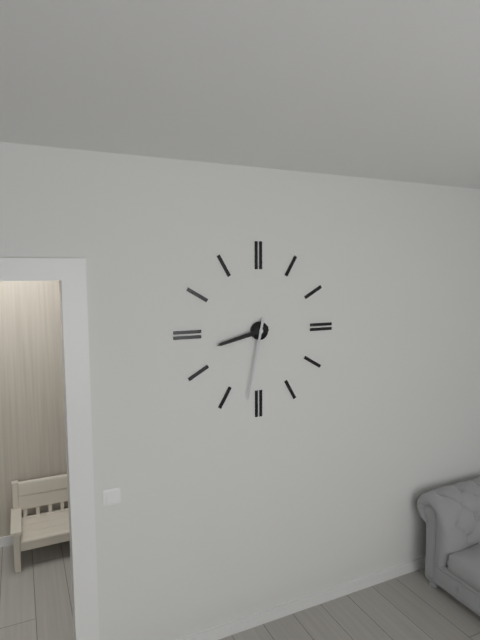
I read 8.32
